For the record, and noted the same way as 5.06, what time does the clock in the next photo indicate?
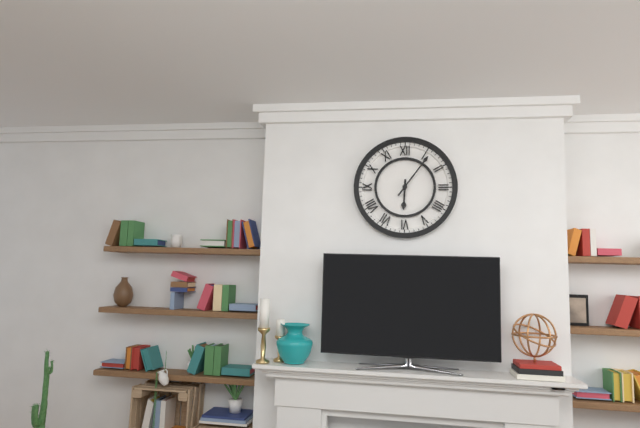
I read 6.06
